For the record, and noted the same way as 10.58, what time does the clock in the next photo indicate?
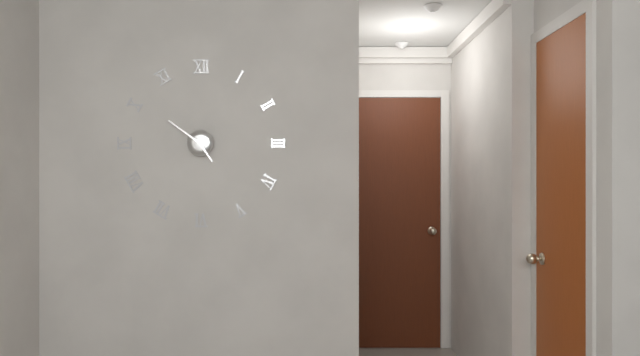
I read 4.51
